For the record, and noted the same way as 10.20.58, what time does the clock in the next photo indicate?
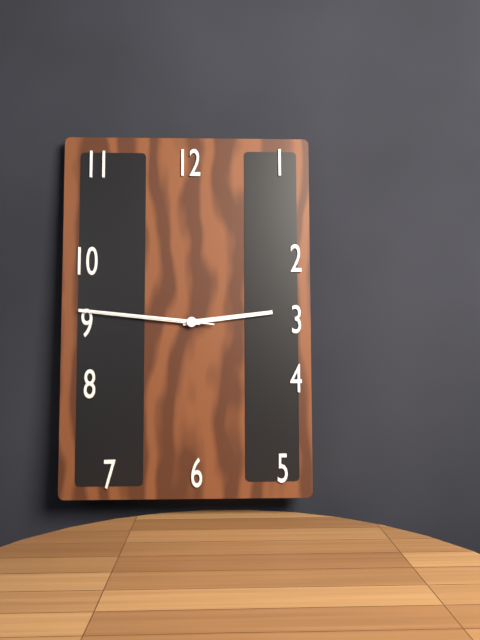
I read 2.46.46
